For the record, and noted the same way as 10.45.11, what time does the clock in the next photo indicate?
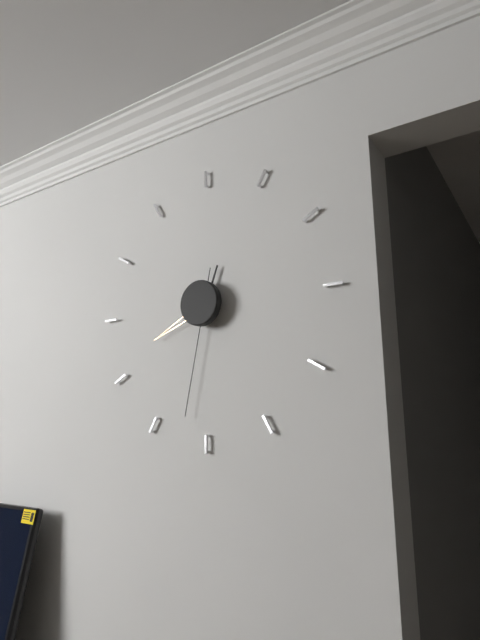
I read 12.41.32
